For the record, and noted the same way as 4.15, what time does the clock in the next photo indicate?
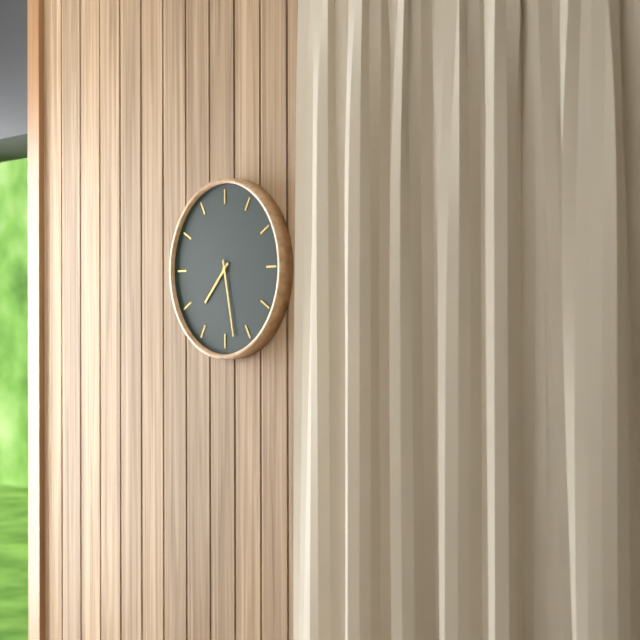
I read 7.28
